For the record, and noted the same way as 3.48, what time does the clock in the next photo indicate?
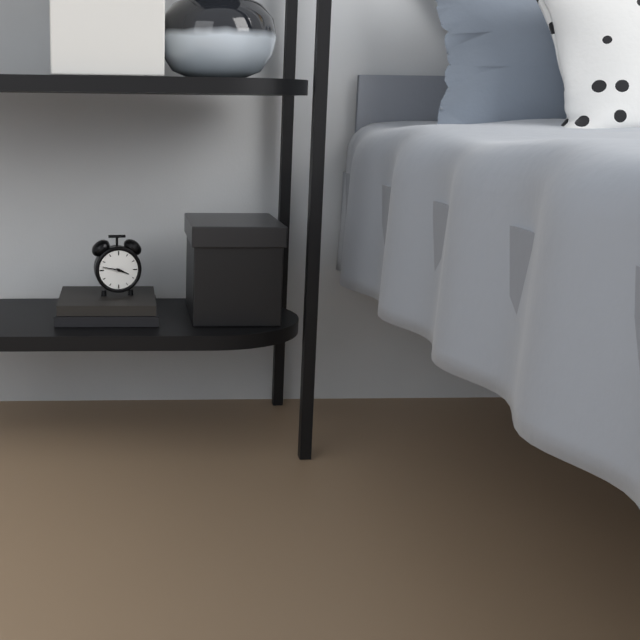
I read 3.47
